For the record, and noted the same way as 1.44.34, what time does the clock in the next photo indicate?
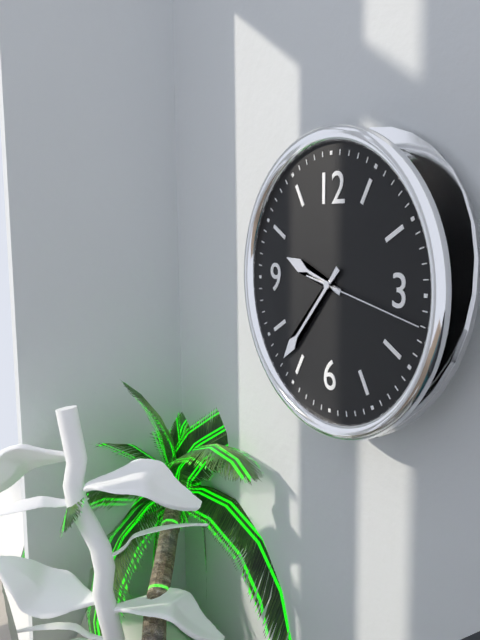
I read 9.37.17
